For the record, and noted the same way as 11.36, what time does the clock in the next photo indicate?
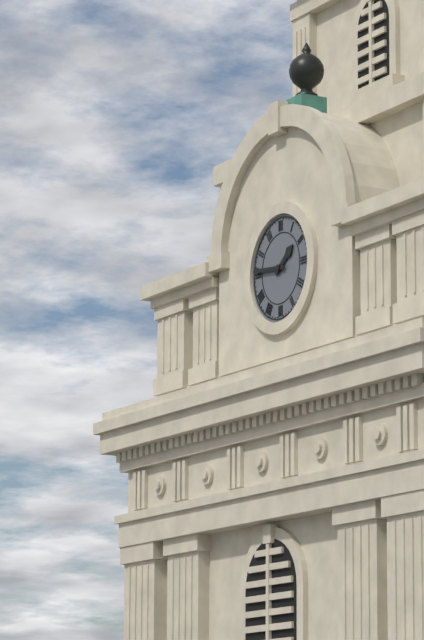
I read 1.46
